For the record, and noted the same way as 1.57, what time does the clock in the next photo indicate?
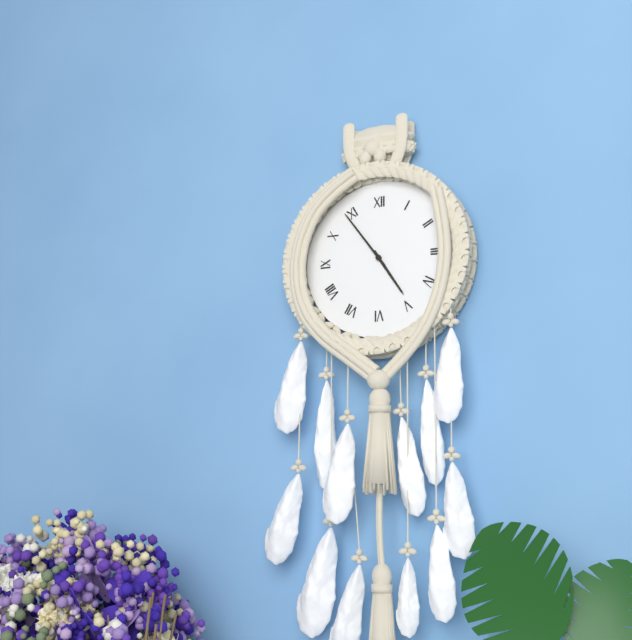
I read 4.54
